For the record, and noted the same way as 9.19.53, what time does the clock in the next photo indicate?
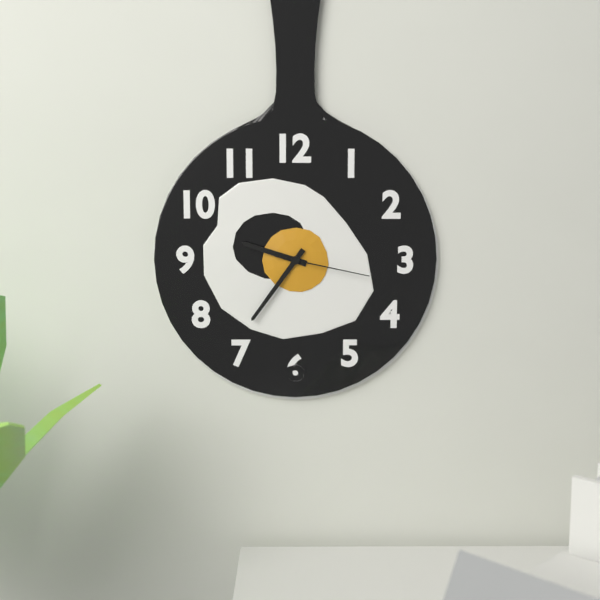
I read 9.36.17
